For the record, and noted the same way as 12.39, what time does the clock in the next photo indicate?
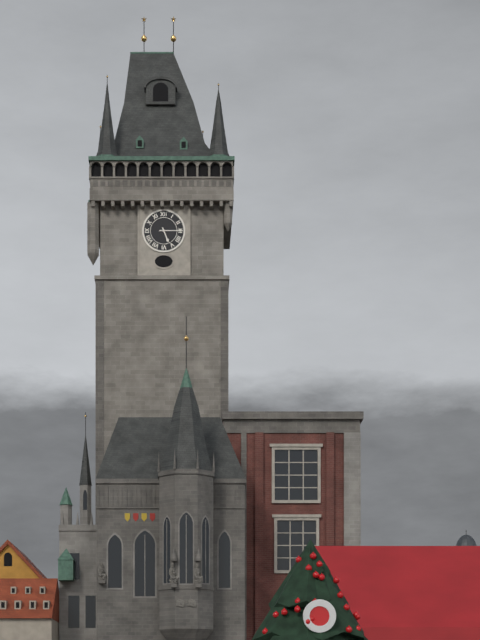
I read 5.15
